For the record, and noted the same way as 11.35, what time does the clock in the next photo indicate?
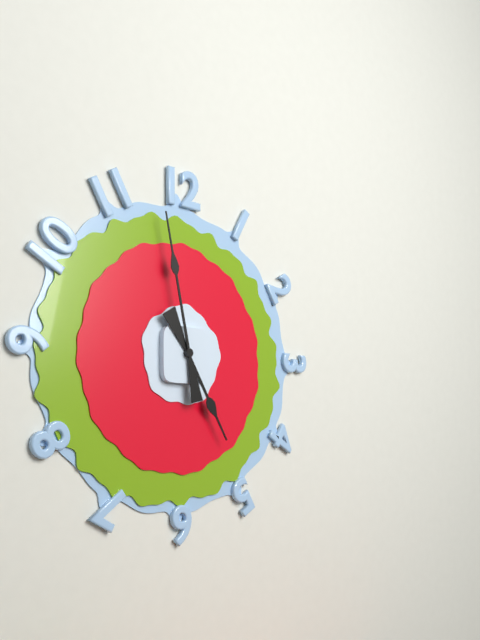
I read 4.58
